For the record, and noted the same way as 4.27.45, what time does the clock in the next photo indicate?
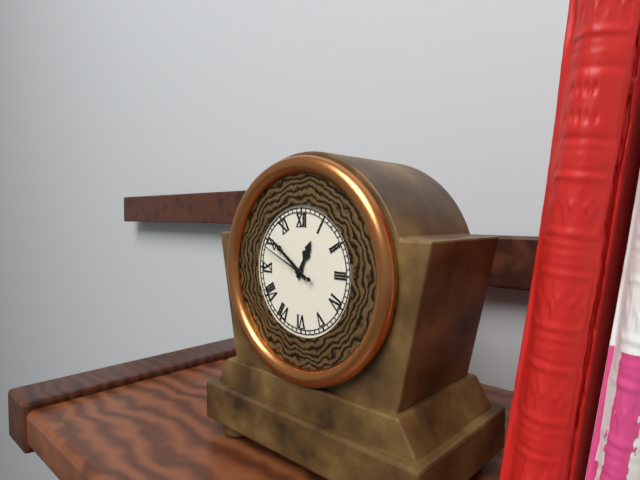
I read 12.51.49
